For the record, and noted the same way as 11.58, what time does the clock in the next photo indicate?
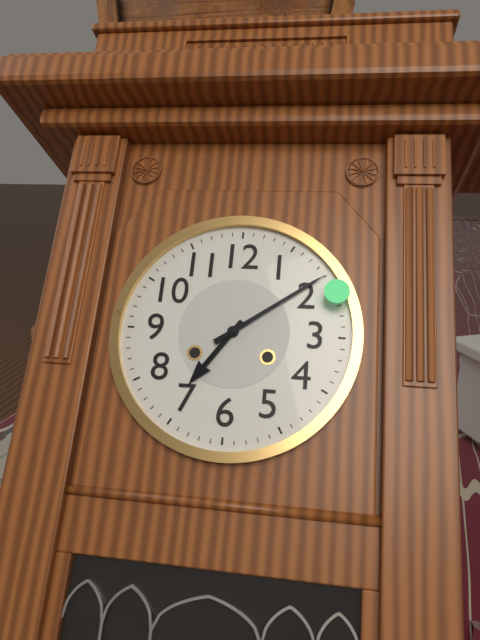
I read 7.09
